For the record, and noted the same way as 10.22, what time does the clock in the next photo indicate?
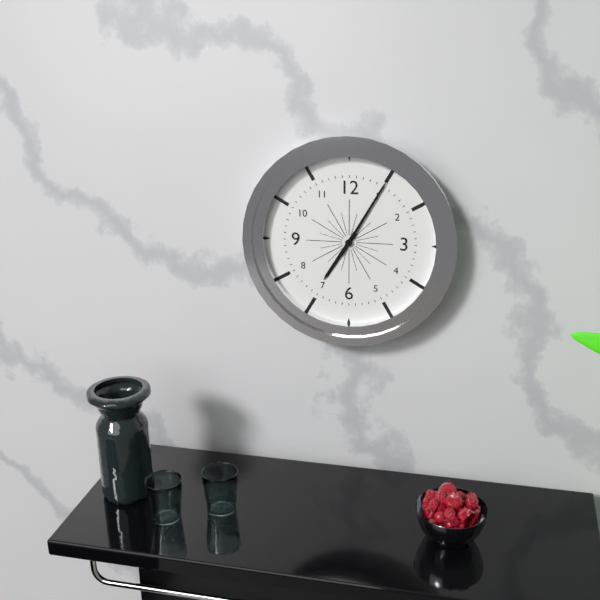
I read 7.05
